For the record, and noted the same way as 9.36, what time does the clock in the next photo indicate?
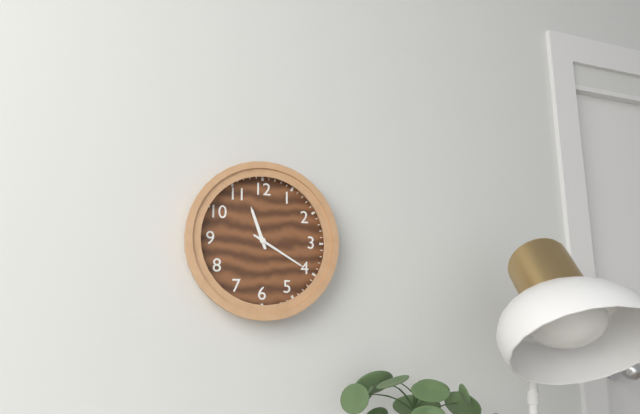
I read 11.20
